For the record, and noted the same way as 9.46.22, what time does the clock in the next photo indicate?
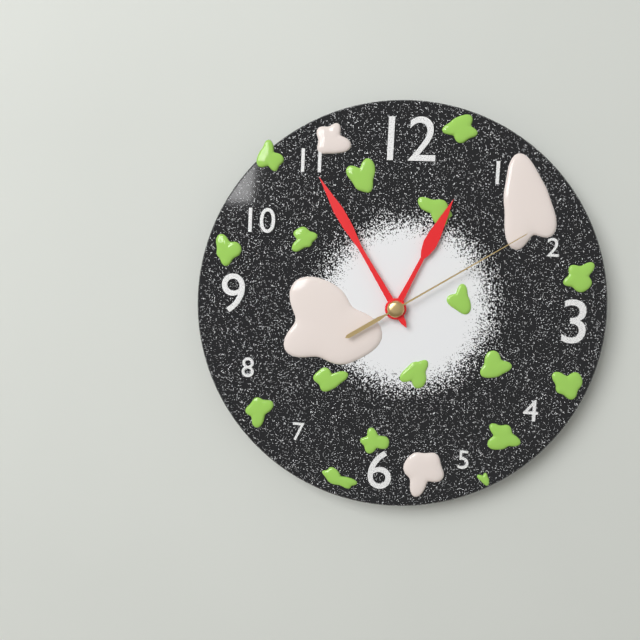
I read 12.55.10
